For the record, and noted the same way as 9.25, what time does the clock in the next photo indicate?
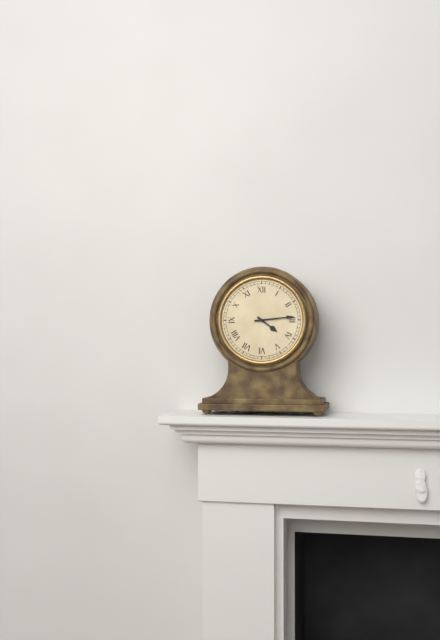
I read 4.14
